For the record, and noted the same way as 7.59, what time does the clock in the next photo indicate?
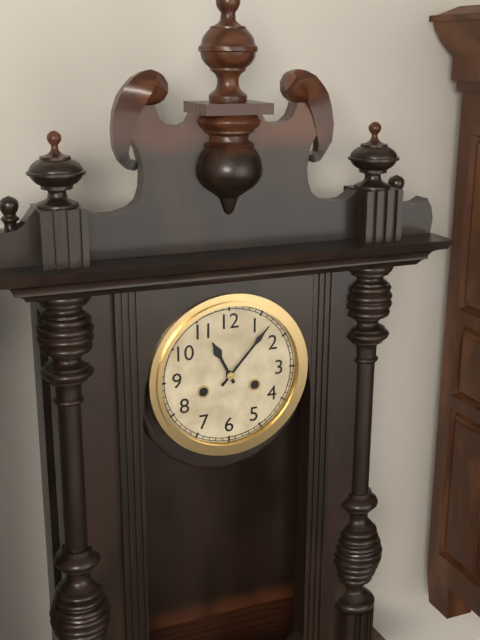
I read 11.07
